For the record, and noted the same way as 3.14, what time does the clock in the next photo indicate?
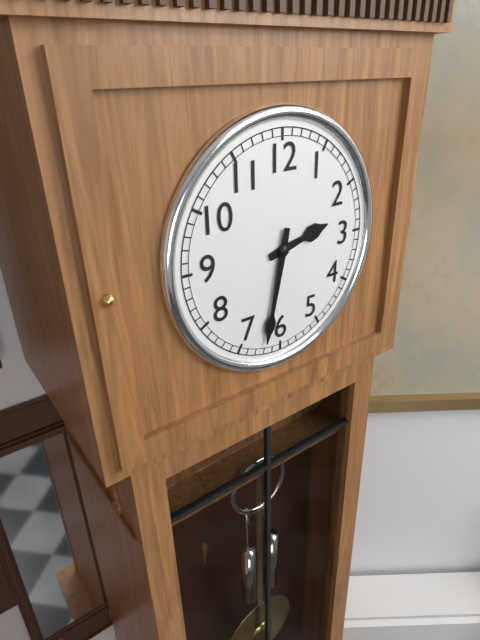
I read 2.32
